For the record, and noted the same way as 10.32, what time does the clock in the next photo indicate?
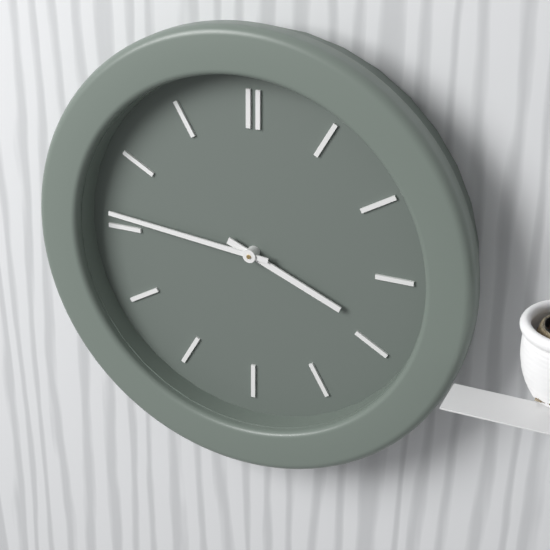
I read 3.46
